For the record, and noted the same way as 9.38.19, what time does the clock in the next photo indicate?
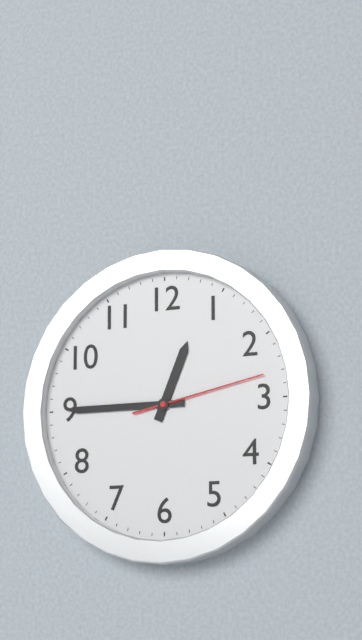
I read 12.45.13
